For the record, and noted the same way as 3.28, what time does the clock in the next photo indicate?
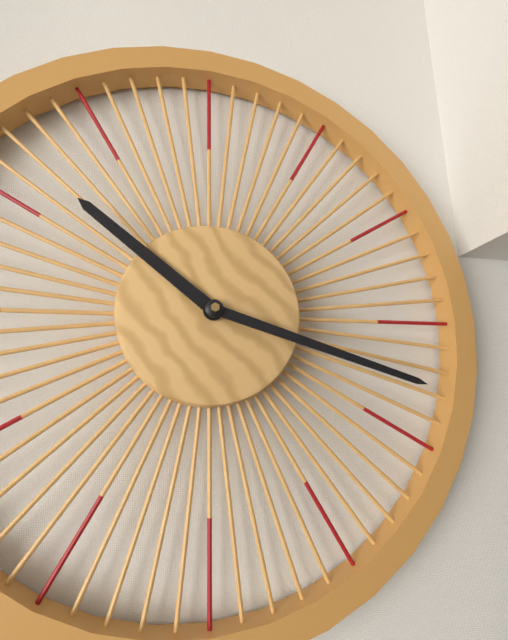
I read 10.18
